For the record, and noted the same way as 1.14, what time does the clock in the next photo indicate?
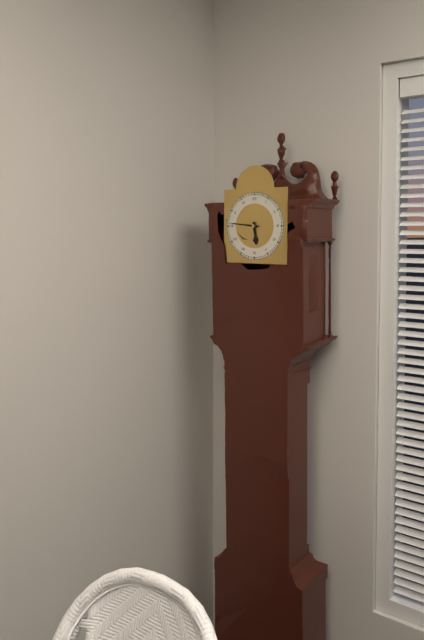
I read 5.46
